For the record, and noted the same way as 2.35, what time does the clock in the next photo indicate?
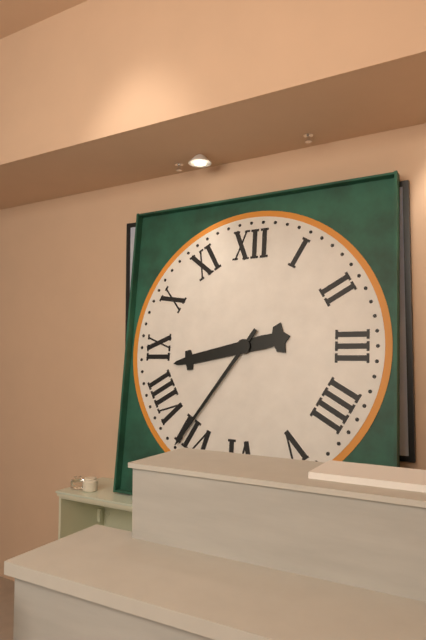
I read 8.36
